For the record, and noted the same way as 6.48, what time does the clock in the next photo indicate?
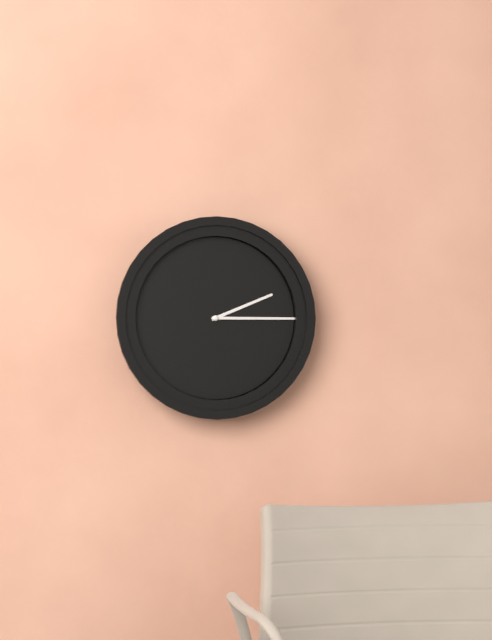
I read 2.15
